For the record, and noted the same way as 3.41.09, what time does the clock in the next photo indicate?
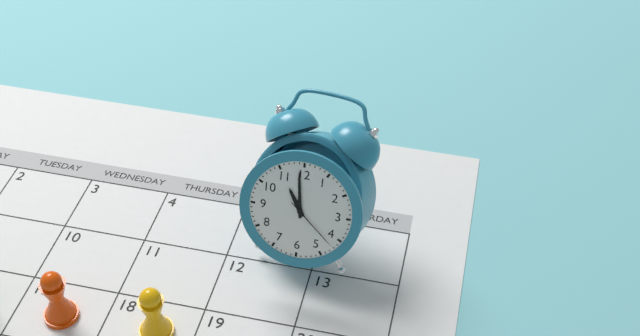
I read 10.59.22
